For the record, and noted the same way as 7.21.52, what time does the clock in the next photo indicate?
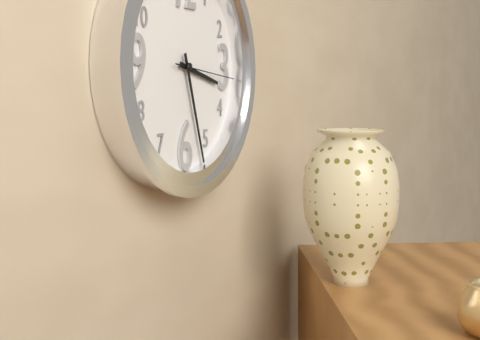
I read 3.27.16
